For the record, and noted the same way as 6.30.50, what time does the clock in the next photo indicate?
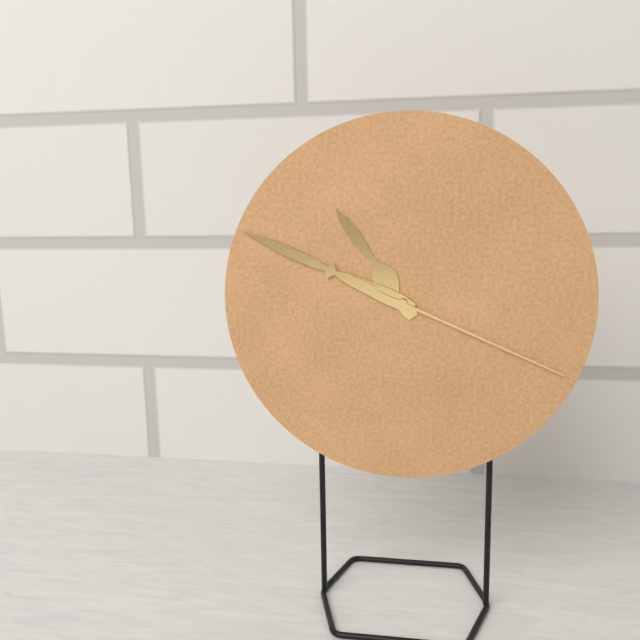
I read 10.49.19
